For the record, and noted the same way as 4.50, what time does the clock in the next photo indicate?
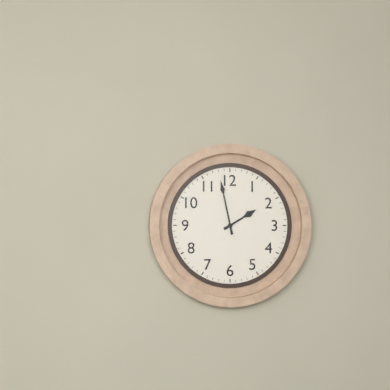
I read 1.58
